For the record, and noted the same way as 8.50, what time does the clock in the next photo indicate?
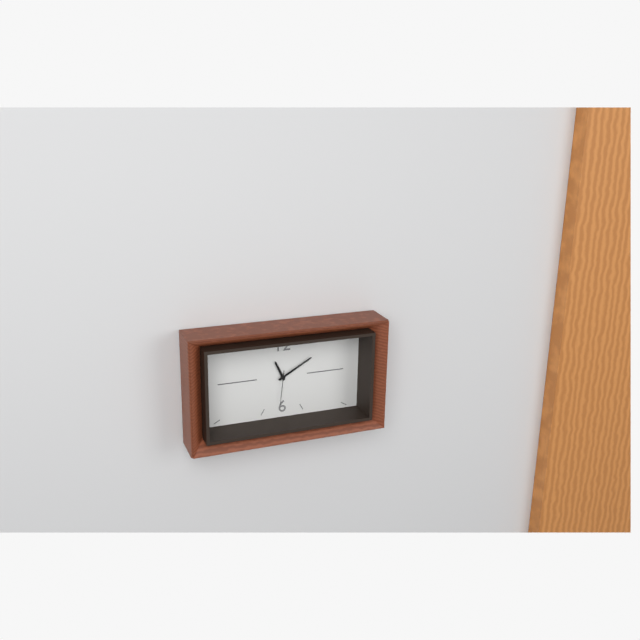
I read 11.10
